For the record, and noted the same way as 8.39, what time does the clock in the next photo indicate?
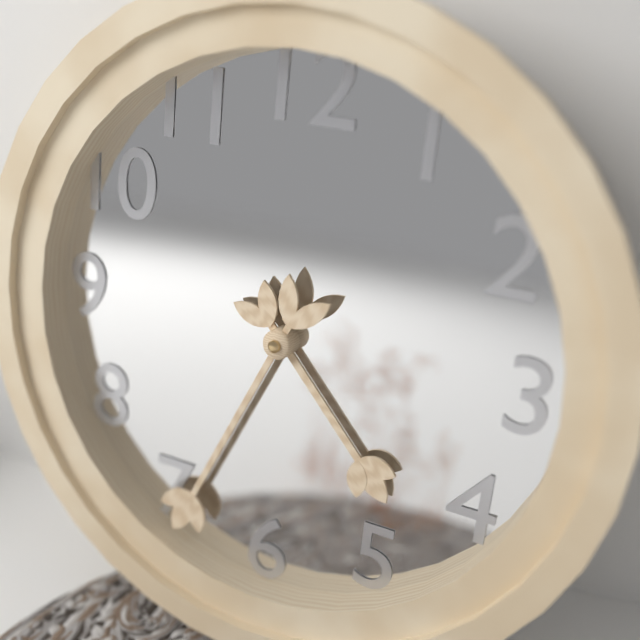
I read 4.34
